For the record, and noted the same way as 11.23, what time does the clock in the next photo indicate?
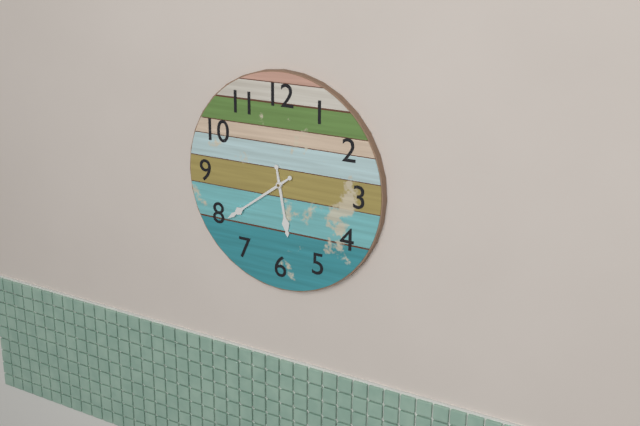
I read 5.39
